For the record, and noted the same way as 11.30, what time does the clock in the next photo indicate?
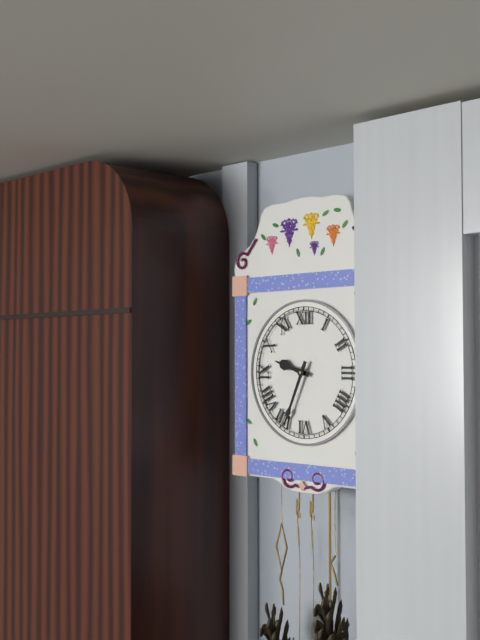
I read 9.34
